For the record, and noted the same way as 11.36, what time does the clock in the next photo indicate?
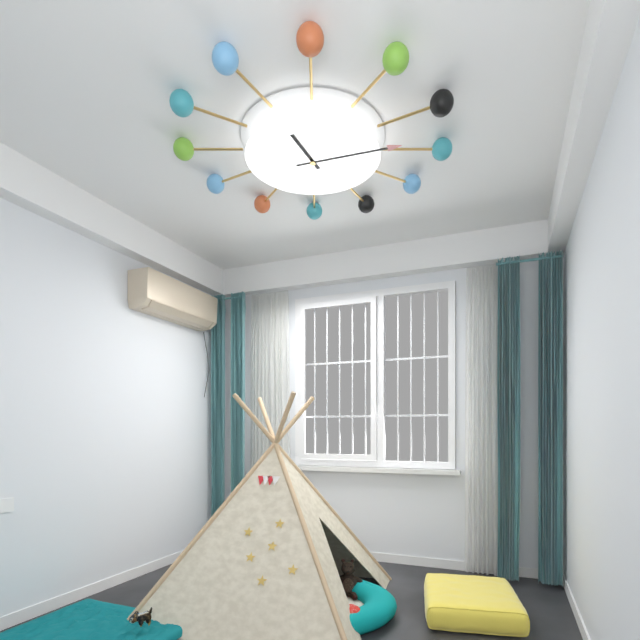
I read 11.12
